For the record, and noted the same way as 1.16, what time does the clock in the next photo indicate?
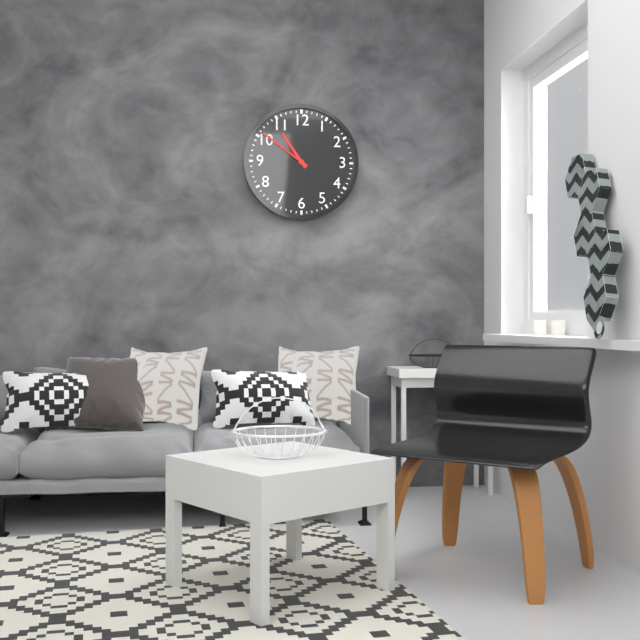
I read 10.51
